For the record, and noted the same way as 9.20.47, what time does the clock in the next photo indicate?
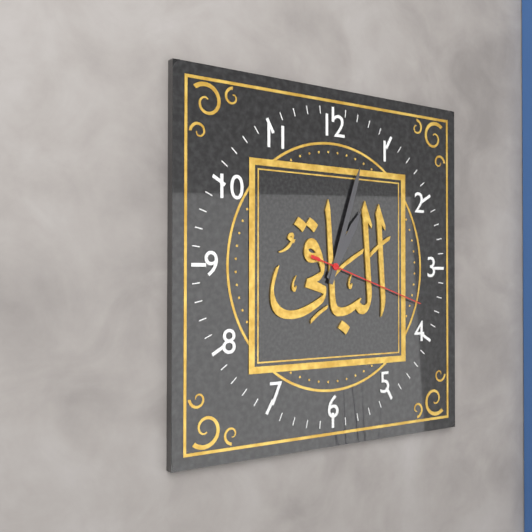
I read 1.03.18
